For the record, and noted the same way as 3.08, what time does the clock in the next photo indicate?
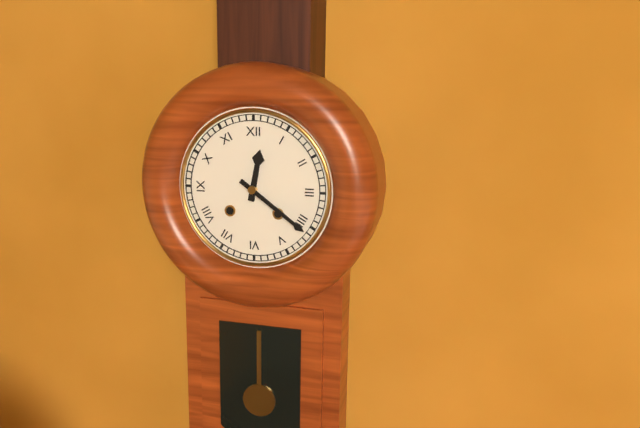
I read 12.21
